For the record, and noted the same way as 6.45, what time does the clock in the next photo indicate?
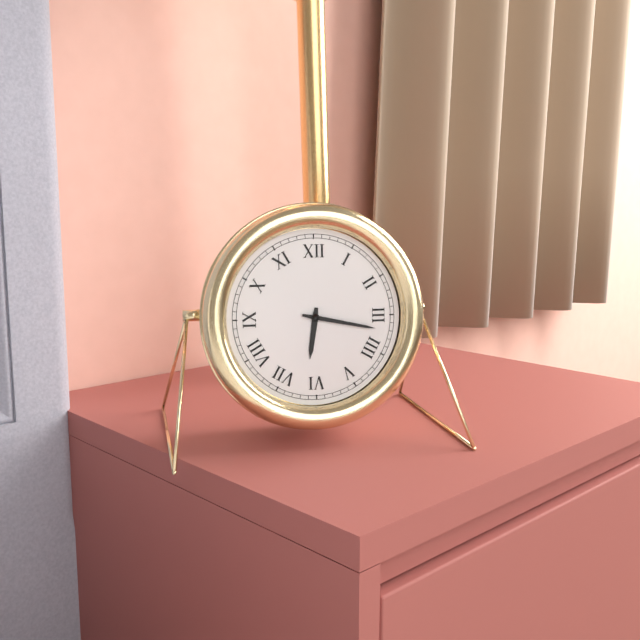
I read 6.17
